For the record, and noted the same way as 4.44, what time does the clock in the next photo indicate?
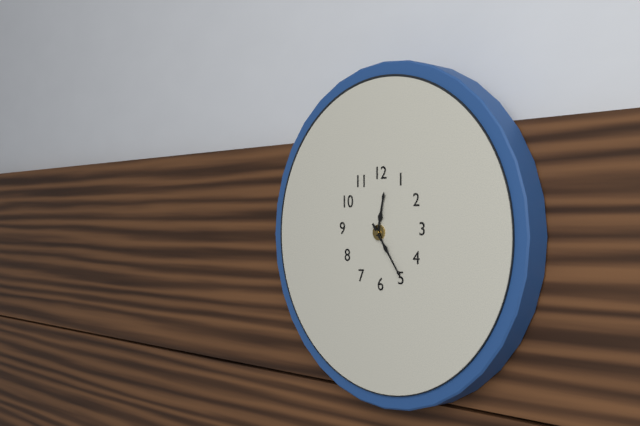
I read 12.24
